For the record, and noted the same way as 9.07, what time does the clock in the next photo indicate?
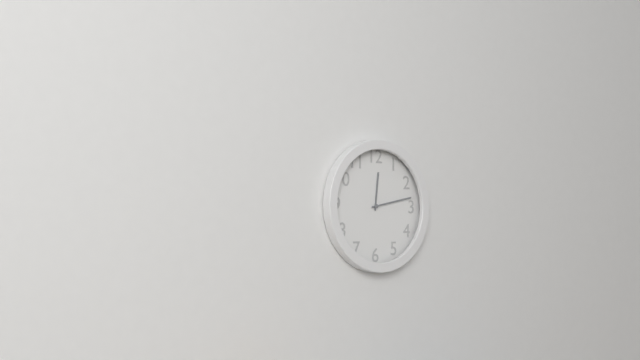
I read 12.13
